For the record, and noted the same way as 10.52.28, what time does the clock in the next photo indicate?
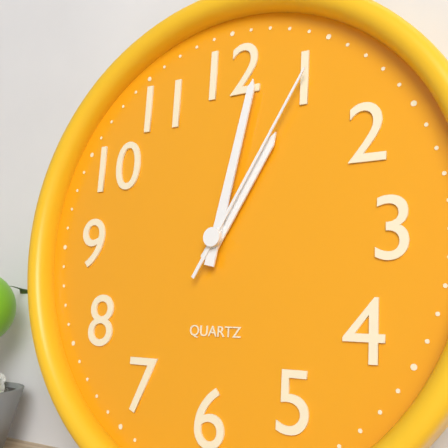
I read 1.02.05
